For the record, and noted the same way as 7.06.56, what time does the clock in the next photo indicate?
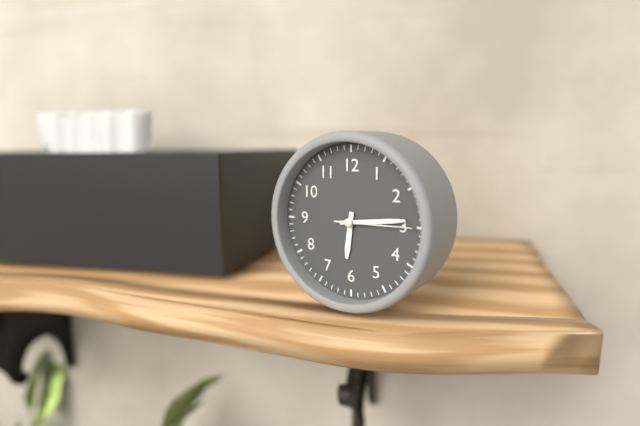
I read 6.14.15
